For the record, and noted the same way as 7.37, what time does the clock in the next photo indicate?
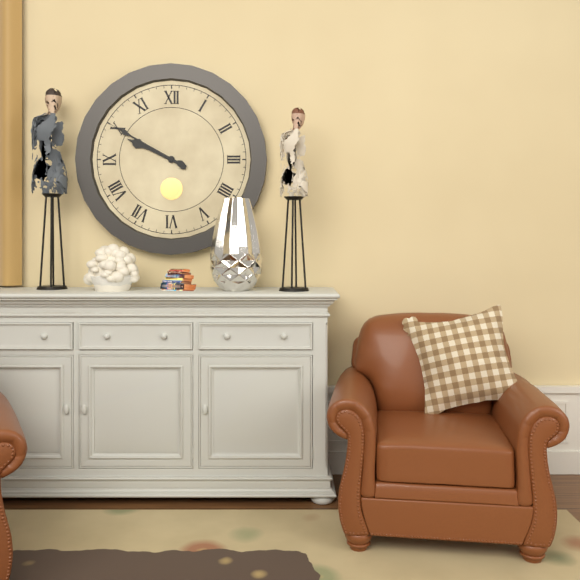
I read 9.50
